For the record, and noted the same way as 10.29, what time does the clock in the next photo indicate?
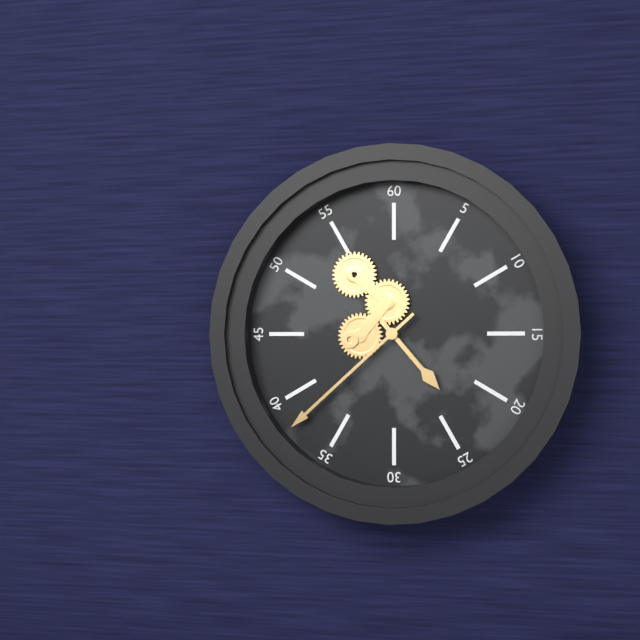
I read 4.38
